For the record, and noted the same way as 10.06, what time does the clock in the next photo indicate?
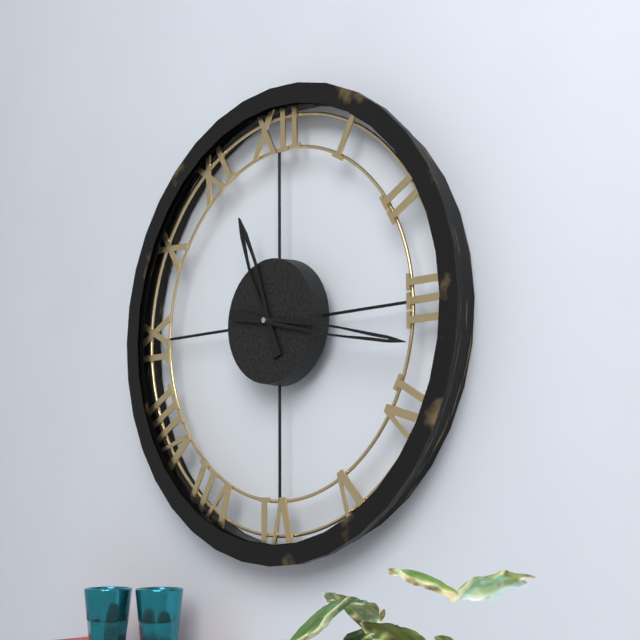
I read 11.17
